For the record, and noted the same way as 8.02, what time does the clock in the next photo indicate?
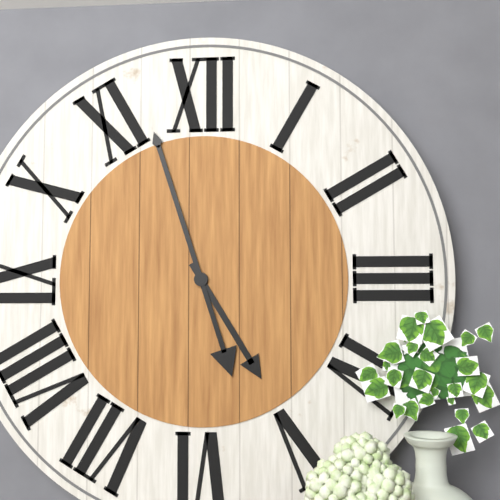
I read 4.57
